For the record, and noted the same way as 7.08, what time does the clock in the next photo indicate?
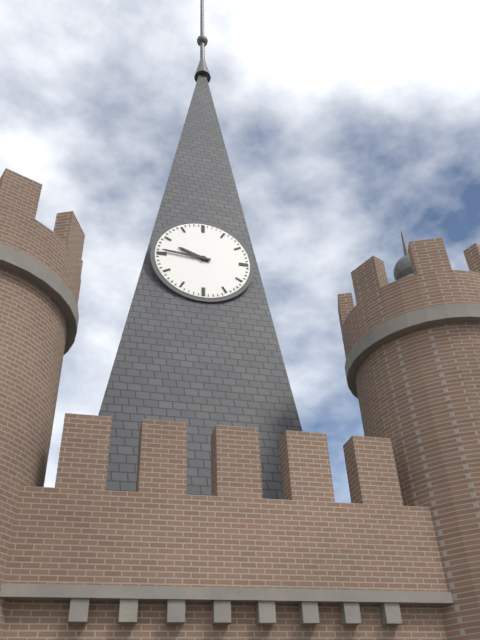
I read 9.46
